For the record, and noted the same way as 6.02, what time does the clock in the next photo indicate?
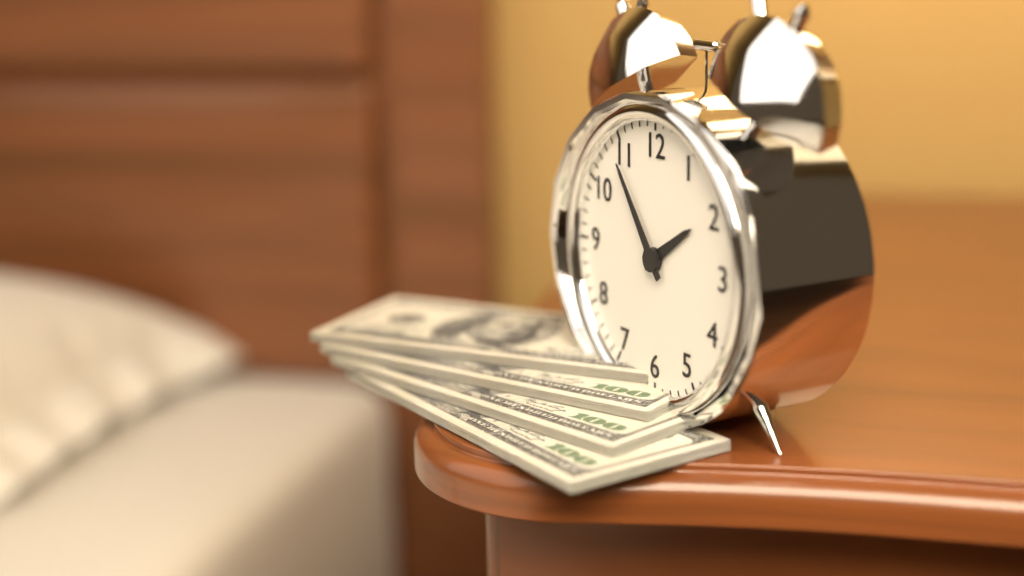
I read 1.54
